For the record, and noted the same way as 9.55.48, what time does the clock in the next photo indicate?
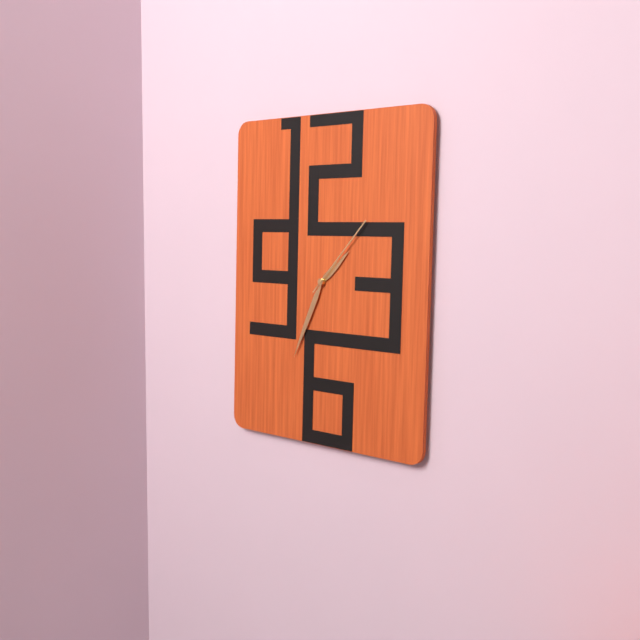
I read 1.34.07
